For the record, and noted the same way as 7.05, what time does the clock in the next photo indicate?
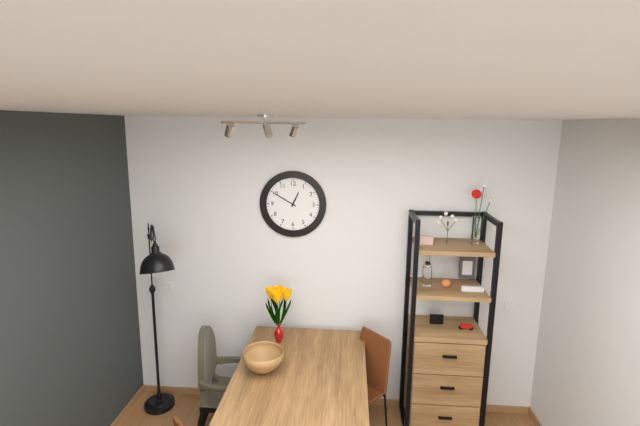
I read 12.50
